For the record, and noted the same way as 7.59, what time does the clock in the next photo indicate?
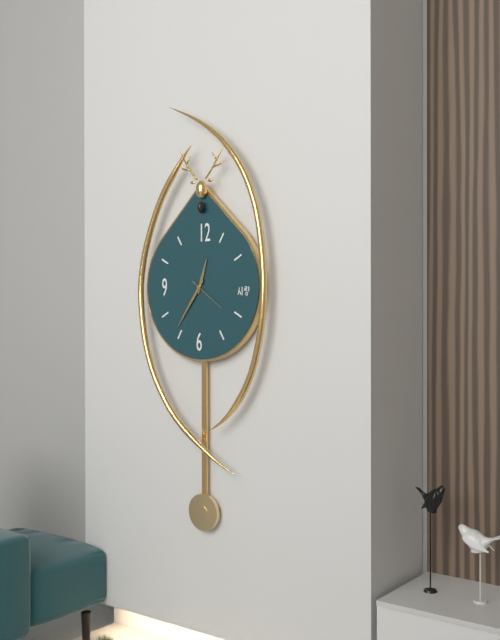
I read 12.36
